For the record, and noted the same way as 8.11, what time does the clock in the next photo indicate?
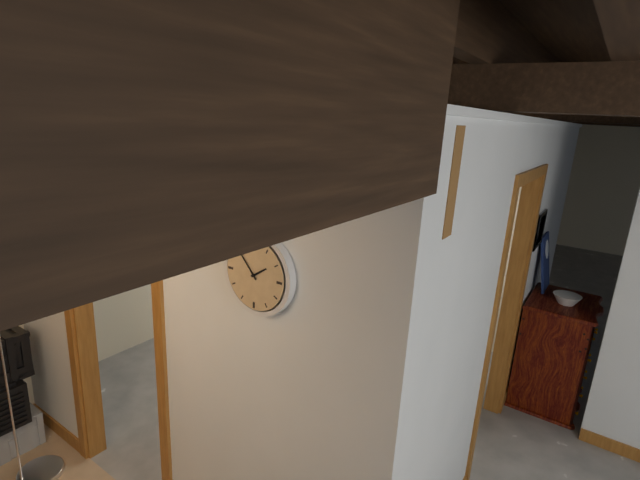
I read 1.53
